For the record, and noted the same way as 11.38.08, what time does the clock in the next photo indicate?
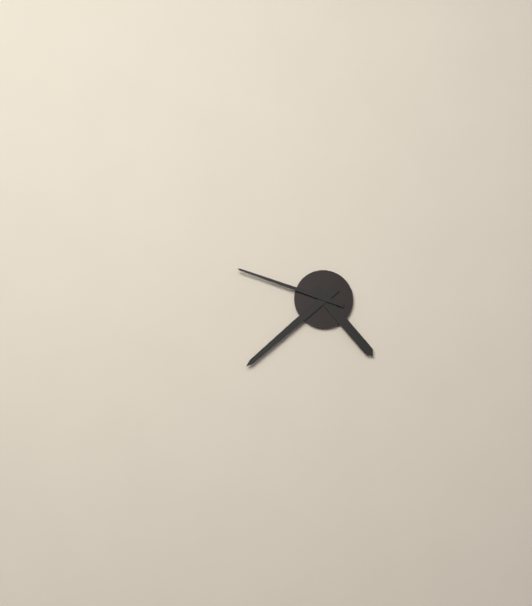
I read 4.38.48
